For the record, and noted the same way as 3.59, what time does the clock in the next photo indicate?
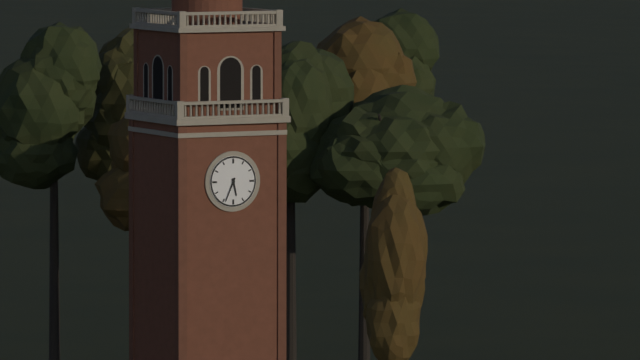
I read 5.34
